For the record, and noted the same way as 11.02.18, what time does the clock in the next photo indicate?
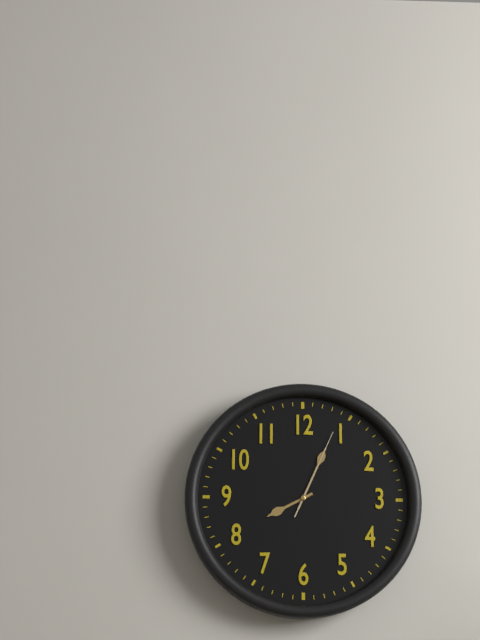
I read 8.04.04
